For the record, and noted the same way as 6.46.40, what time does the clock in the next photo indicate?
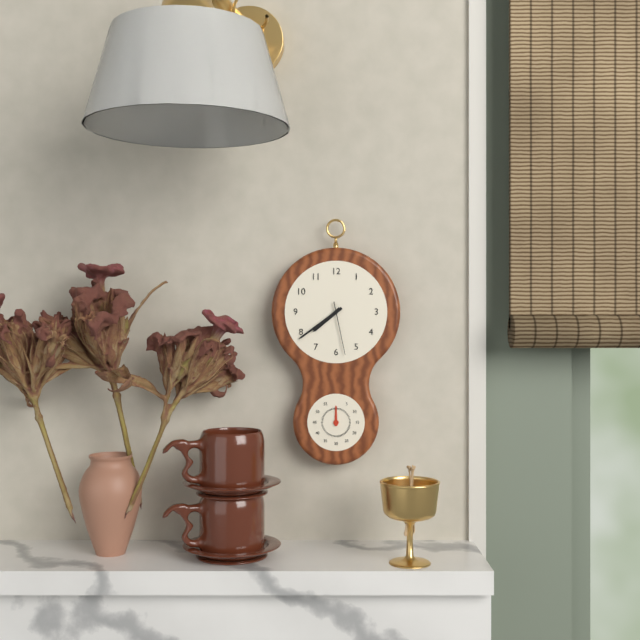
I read 7.39.28
